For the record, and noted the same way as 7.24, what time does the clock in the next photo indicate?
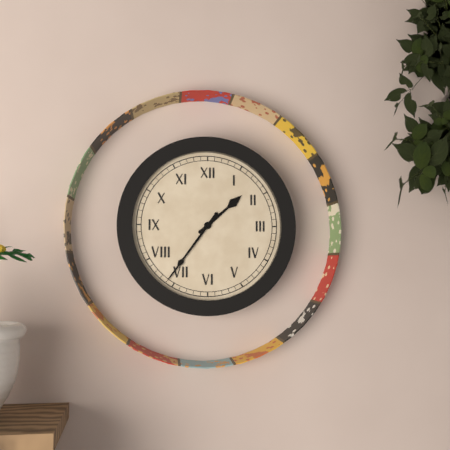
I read 1.36
